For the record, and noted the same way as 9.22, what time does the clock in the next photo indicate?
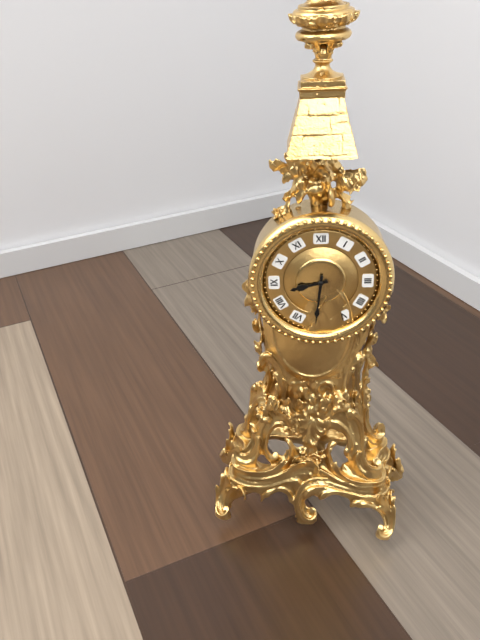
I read 8.31
